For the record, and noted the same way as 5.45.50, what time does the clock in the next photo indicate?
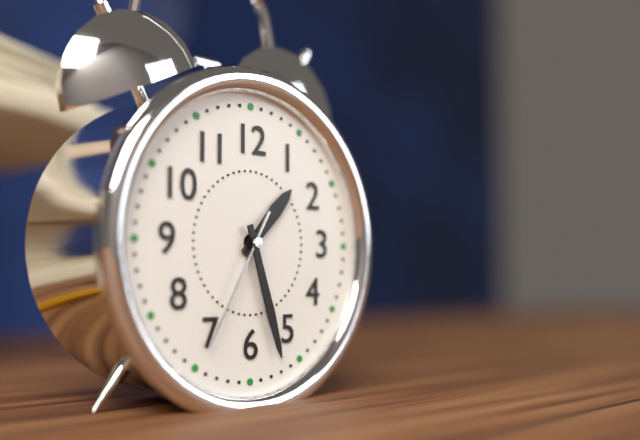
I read 1.27.35
